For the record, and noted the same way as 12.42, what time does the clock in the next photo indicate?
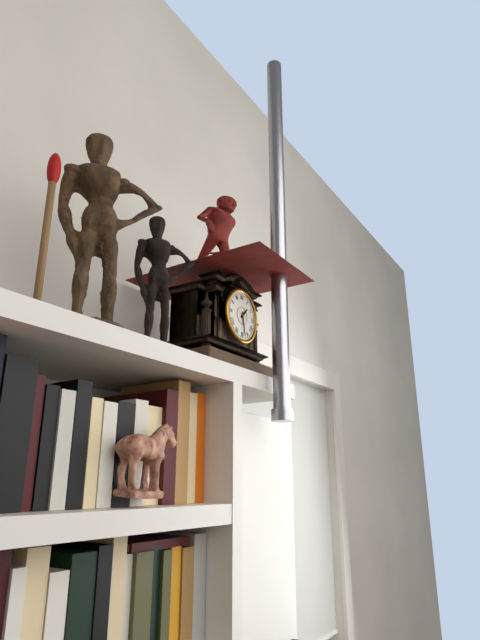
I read 1.28
